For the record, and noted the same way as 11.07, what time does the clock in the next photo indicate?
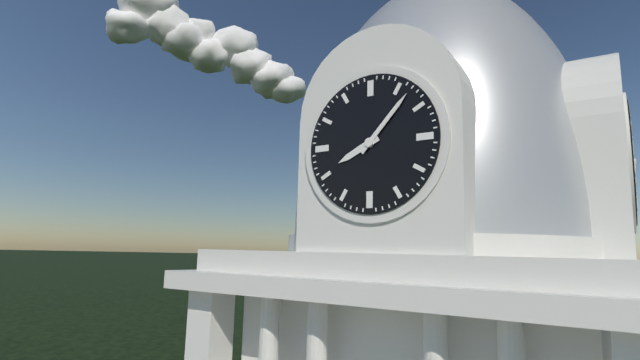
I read 8.07
